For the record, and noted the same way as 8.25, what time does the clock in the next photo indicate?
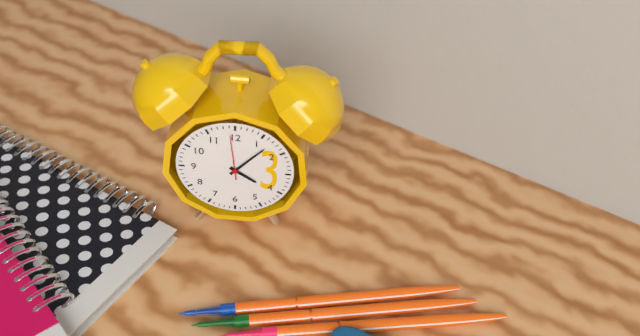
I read 4.07
